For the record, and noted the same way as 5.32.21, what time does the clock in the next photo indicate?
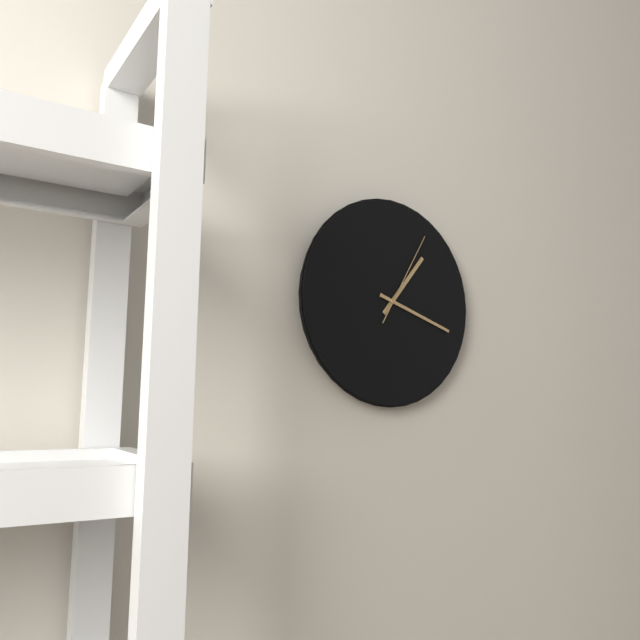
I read 1.18.05
